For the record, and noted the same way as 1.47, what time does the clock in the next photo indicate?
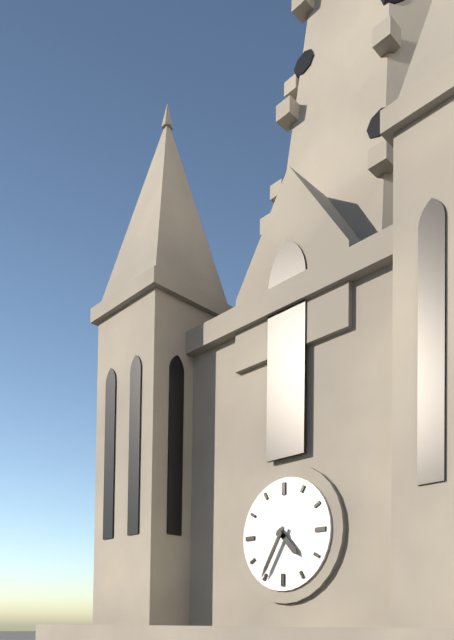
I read 4.35
